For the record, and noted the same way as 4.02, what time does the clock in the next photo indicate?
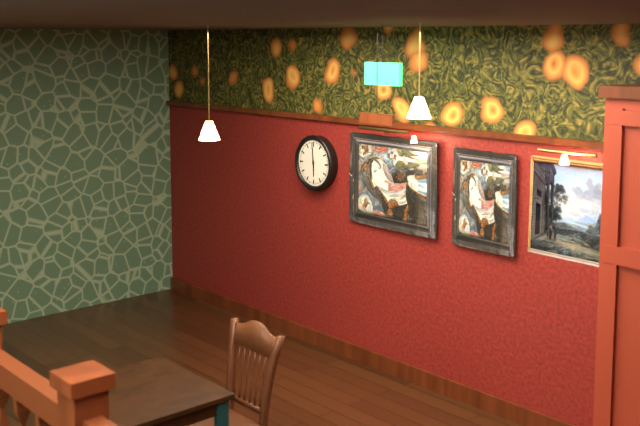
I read 5.59
